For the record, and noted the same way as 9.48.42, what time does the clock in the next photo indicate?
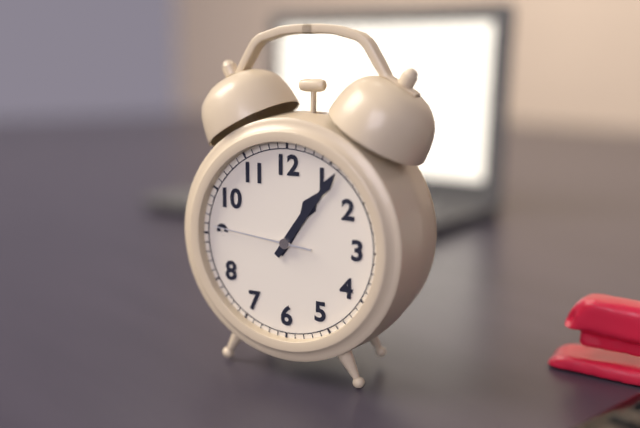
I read 1.06.46
